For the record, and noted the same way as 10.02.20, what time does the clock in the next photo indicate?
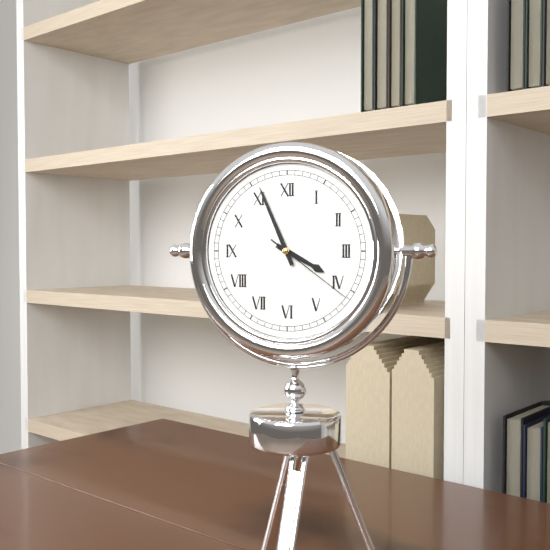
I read 3.56.21
